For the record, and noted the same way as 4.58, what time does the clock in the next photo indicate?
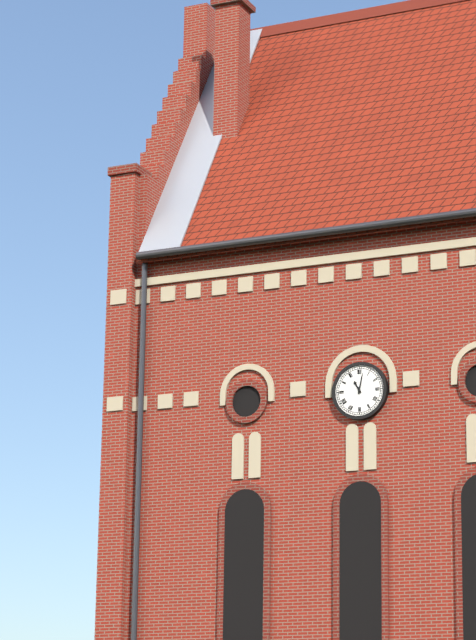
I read 11.02
